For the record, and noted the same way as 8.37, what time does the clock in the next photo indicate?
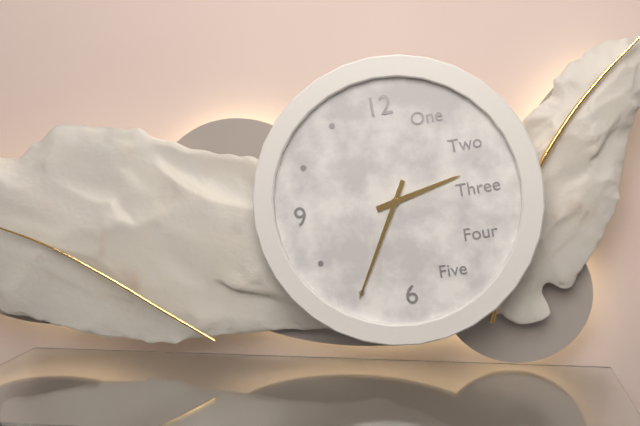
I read 2.35
